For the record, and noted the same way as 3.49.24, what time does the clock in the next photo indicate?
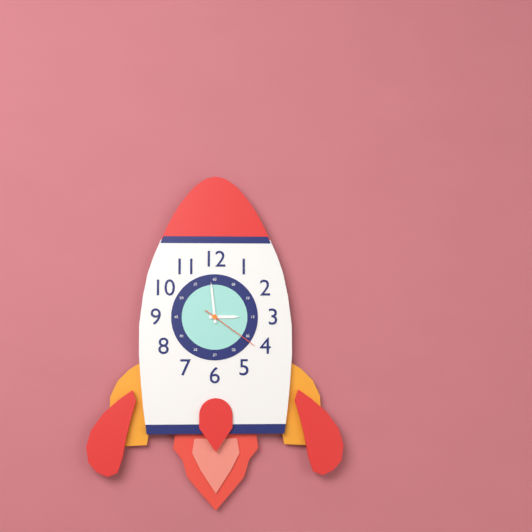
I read 2.59.21
